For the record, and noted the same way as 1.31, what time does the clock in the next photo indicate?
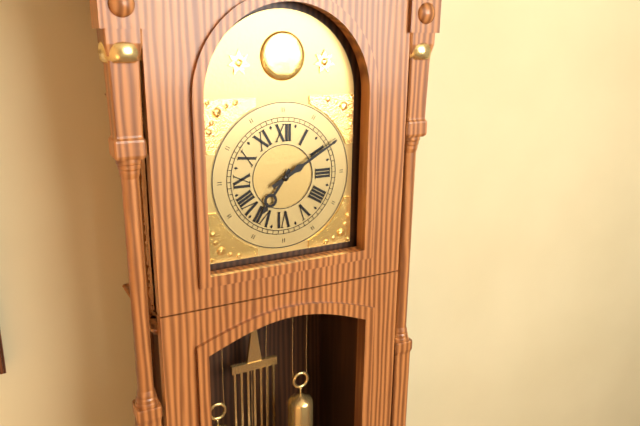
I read 7.10
